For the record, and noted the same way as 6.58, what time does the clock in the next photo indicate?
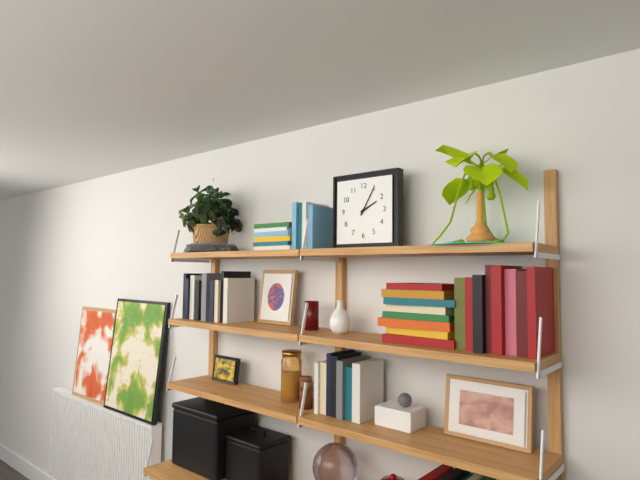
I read 2.05
